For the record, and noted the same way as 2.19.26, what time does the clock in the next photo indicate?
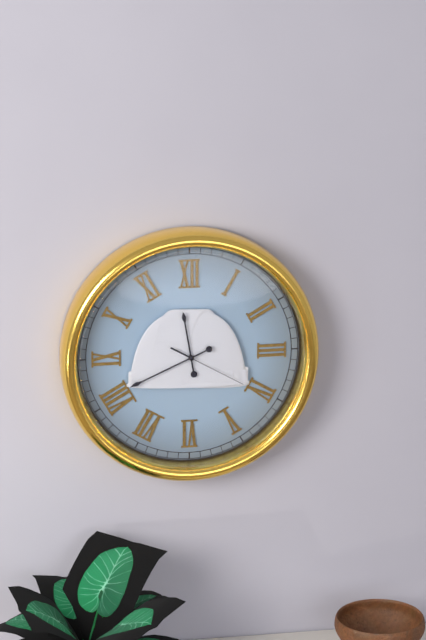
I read 11.41.20
